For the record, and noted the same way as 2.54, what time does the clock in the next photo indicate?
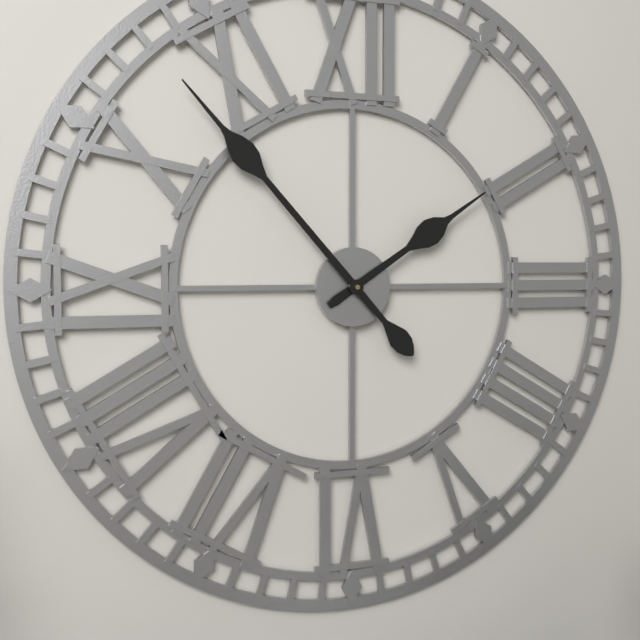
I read 1.53
